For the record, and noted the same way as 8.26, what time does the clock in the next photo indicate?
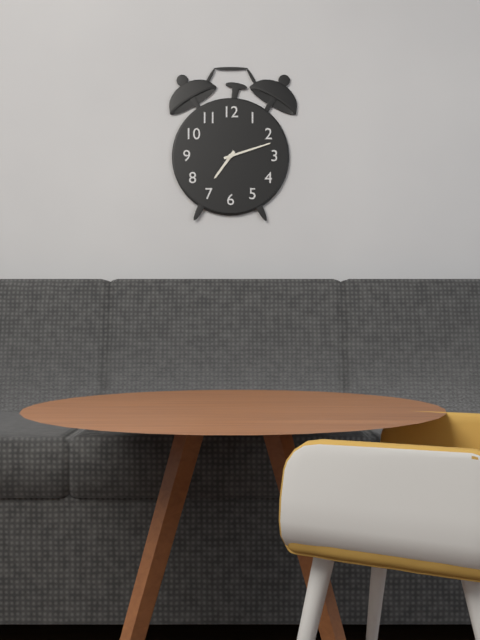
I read 7.12
